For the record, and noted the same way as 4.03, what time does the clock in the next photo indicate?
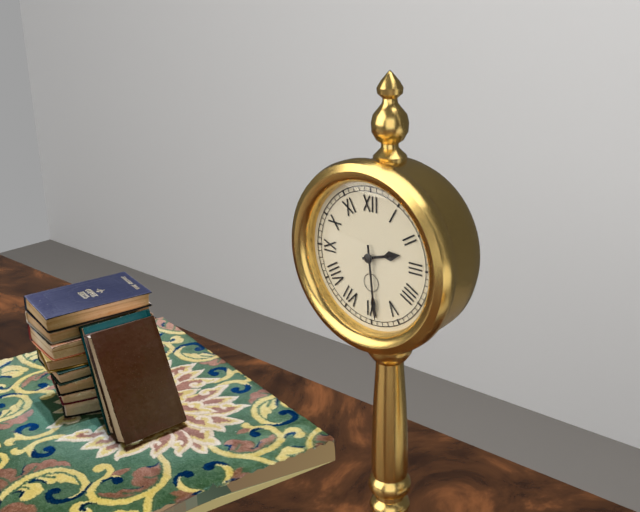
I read 2.29
